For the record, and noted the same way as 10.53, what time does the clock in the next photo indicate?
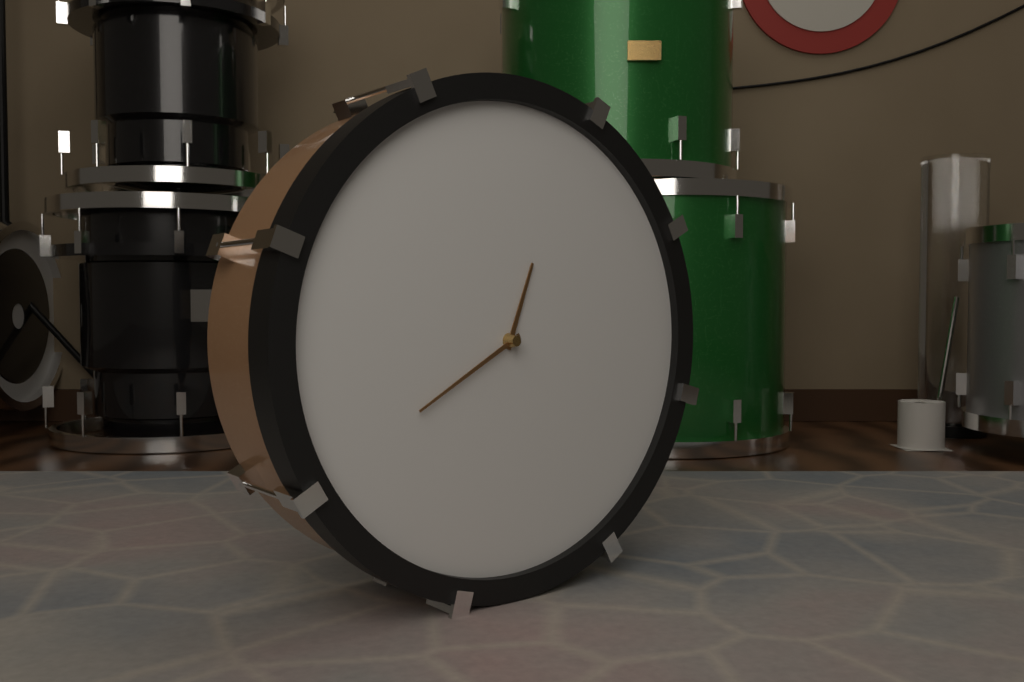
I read 12.40
